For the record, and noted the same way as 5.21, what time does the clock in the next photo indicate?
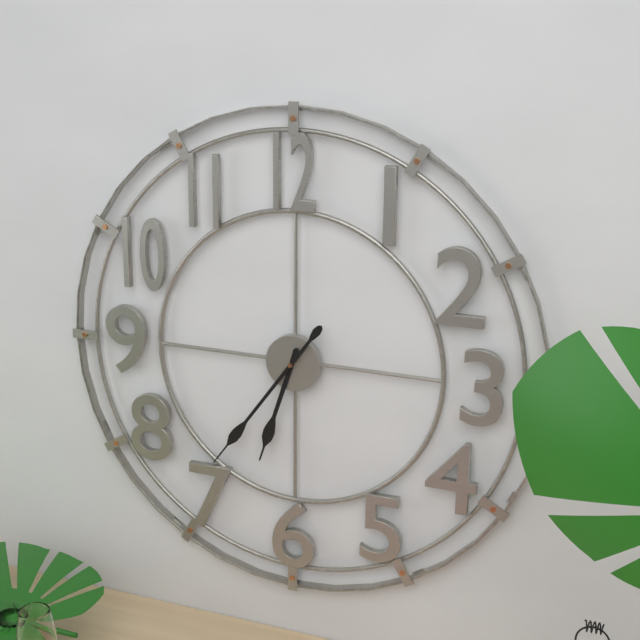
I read 6.36
